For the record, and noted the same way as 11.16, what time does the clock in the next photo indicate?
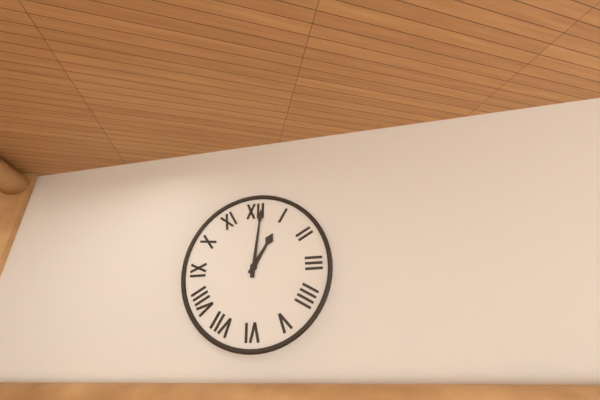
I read 1.01
